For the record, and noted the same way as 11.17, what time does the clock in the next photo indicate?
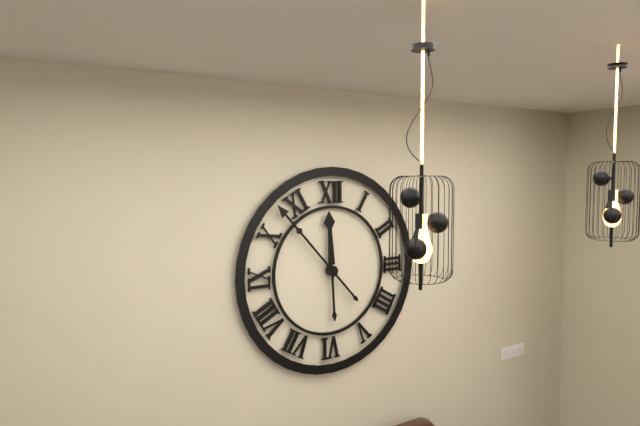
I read 11.53
